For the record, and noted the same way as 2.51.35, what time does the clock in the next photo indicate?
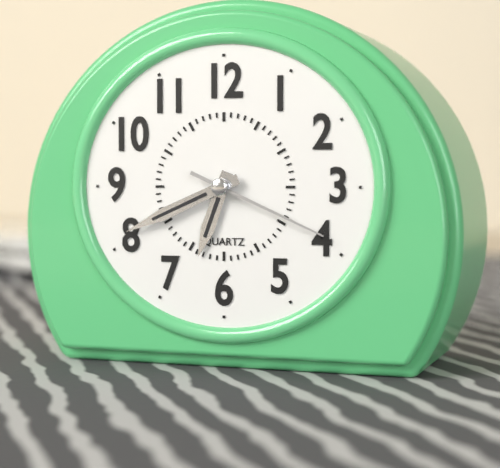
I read 6.41.19
